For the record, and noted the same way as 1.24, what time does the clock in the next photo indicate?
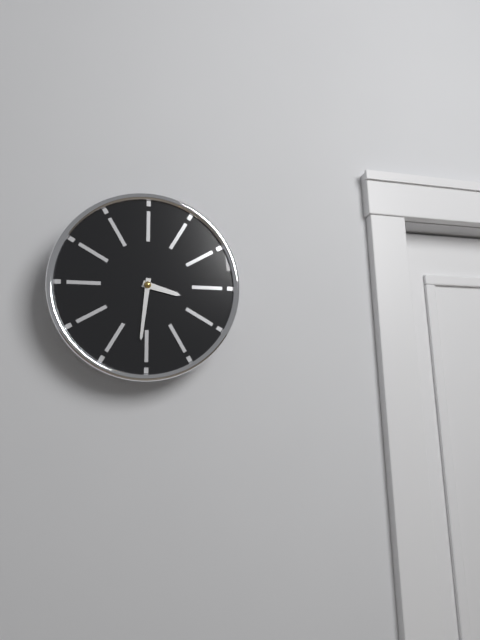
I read 3.31
